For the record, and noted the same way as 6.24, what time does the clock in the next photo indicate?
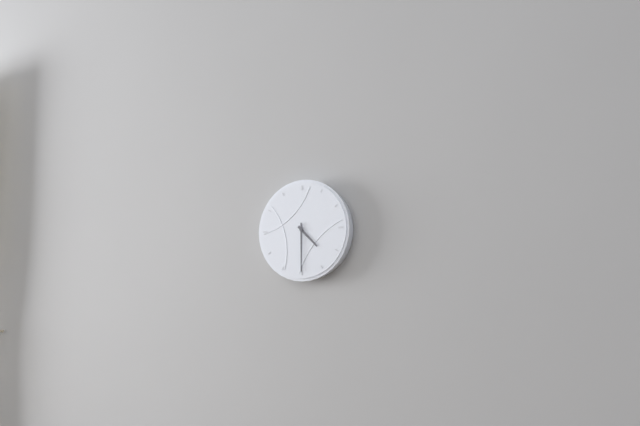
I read 4.30
